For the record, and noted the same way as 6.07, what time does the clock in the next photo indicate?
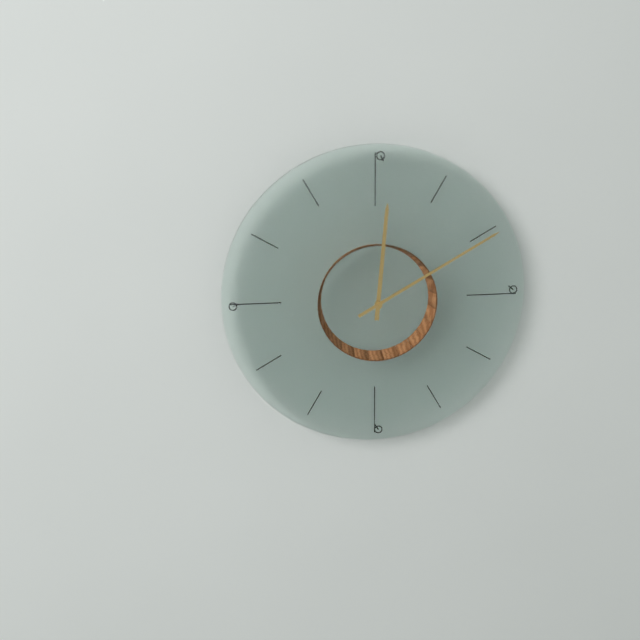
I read 12.10
